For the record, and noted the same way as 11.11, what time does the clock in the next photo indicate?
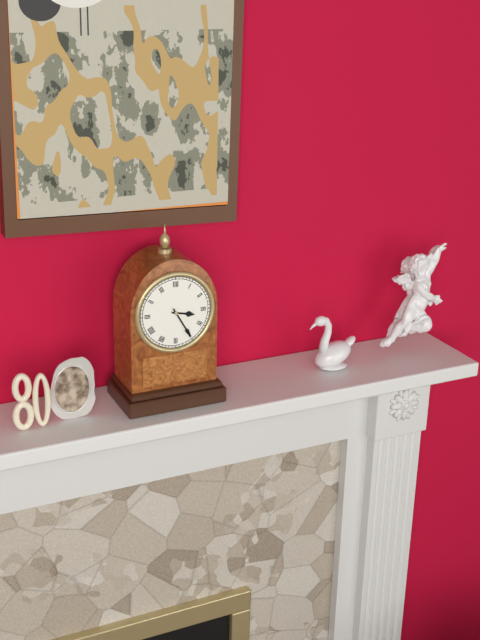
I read 3.25
